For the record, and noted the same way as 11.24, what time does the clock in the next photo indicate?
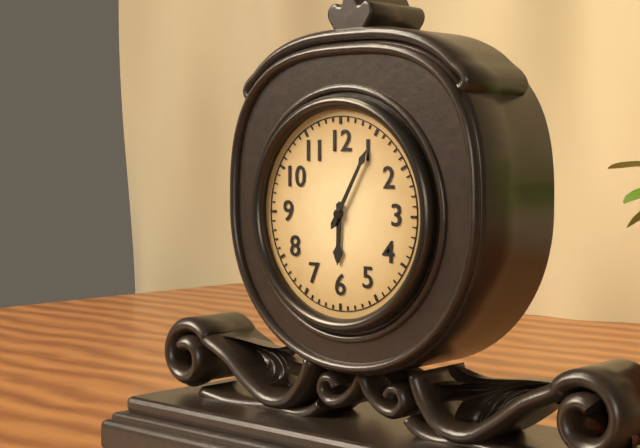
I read 6.05
